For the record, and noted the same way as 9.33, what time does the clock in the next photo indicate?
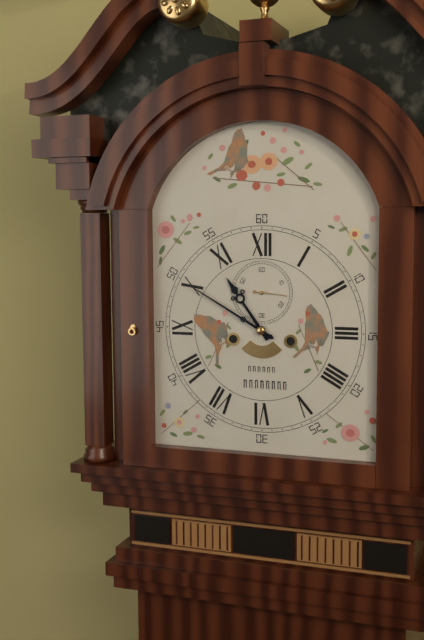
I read 10.50
